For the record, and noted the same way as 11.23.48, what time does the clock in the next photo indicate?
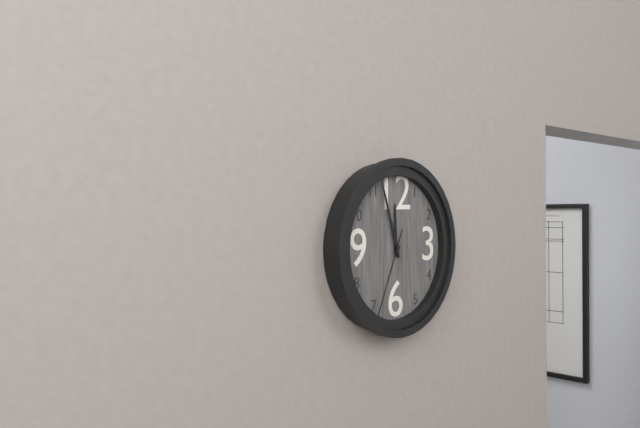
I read 11.57.34
